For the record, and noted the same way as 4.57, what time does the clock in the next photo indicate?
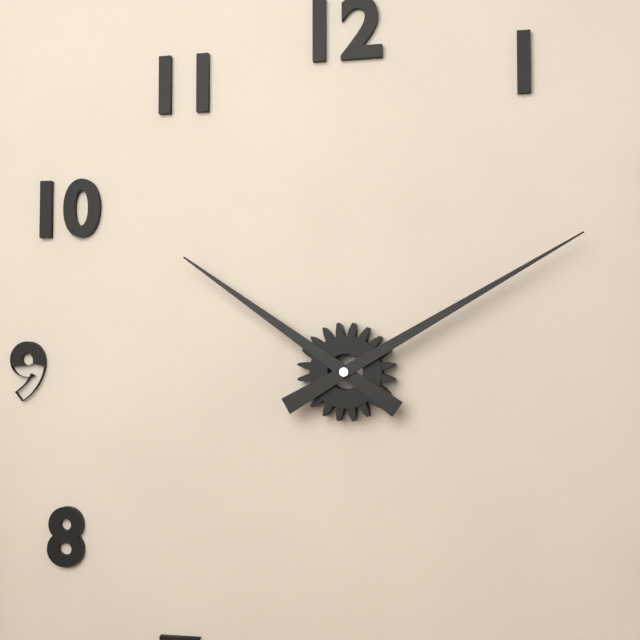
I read 10.10
